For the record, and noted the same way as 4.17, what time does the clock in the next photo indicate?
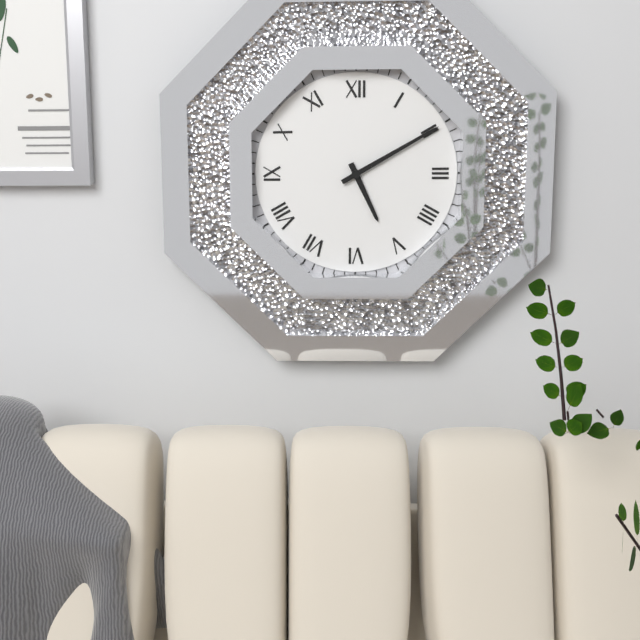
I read 5.10
